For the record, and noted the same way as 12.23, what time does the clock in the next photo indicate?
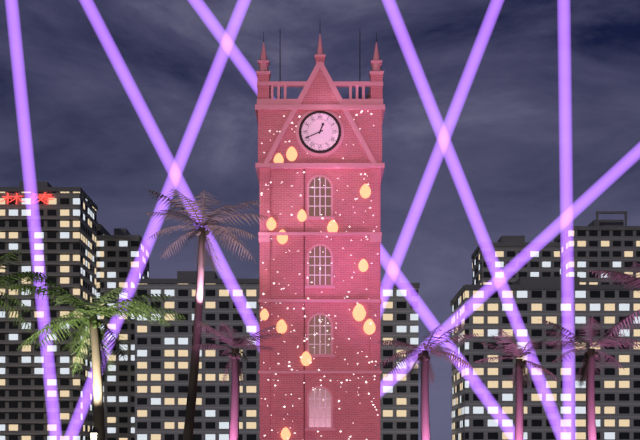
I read 12.41
